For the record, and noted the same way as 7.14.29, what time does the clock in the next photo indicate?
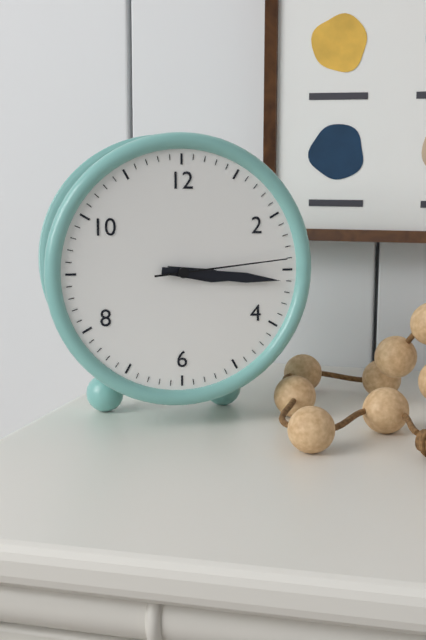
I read 3.16.14
